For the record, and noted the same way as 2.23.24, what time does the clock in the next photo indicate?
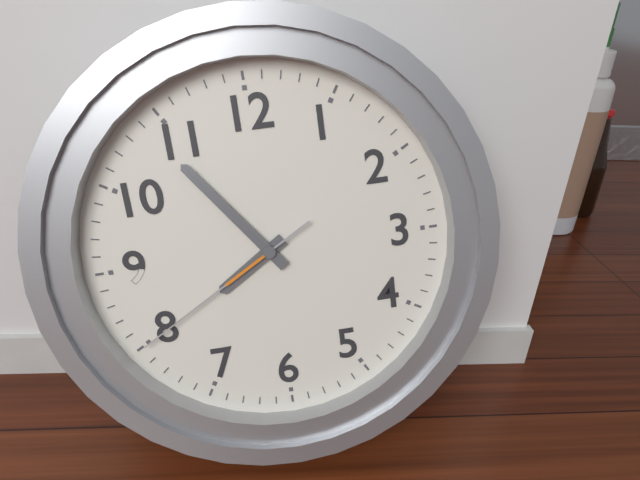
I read 7.54.40
